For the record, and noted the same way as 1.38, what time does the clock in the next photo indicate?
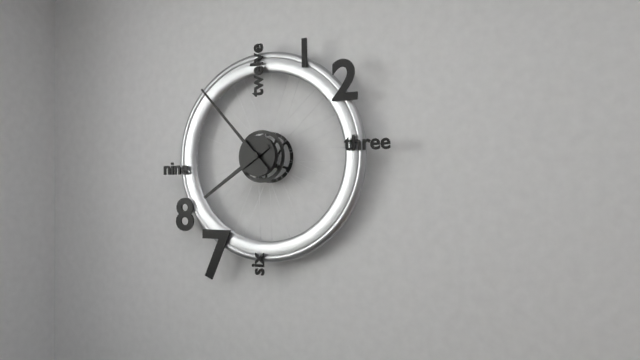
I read 7.53
